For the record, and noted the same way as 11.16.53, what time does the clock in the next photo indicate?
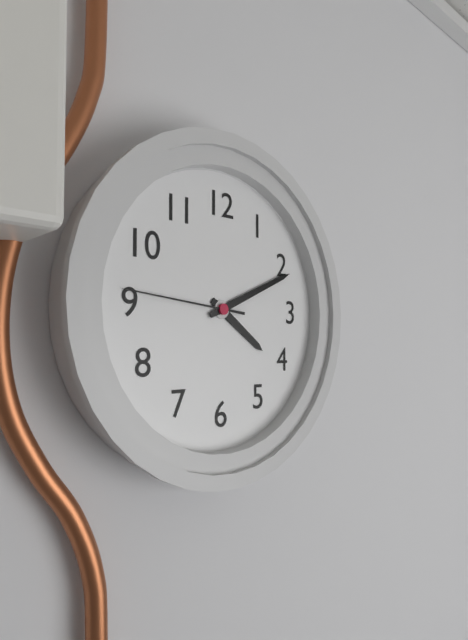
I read 4.11.46
